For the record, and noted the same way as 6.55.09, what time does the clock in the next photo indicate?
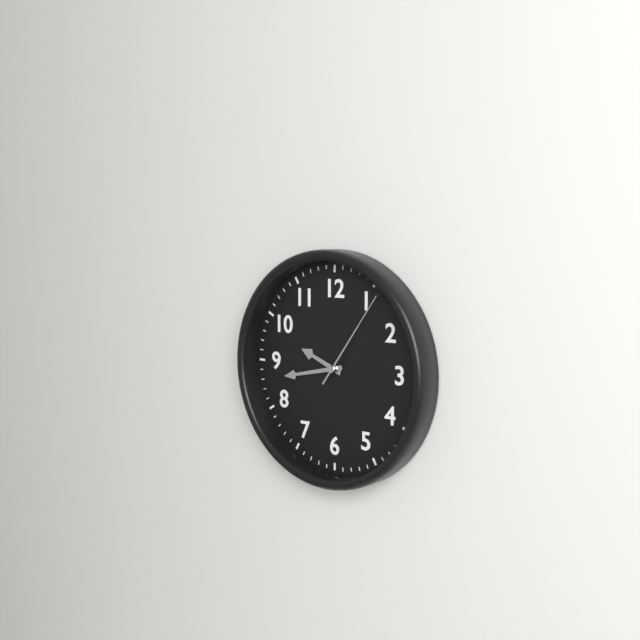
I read 9.43.06
